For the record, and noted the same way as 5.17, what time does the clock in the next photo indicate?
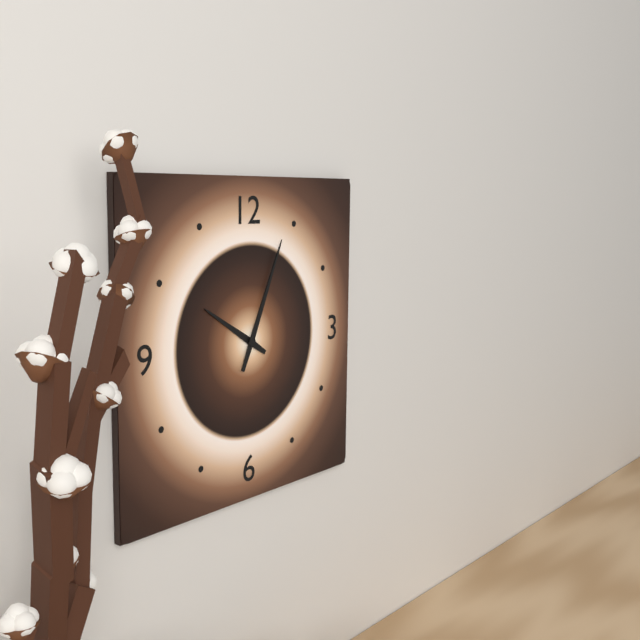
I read 10.04
